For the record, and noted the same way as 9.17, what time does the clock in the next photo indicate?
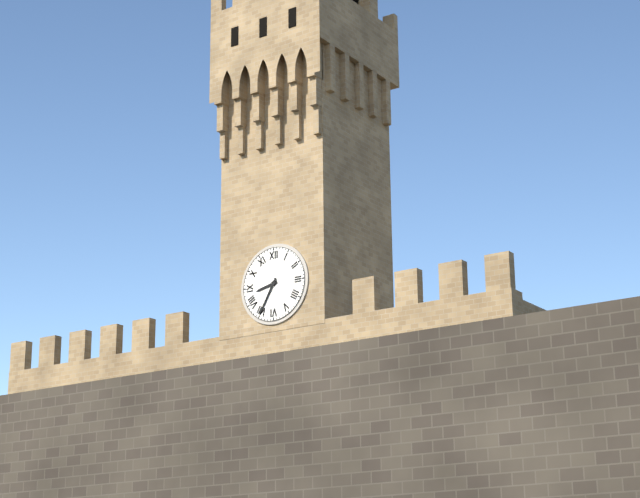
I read 8.35
